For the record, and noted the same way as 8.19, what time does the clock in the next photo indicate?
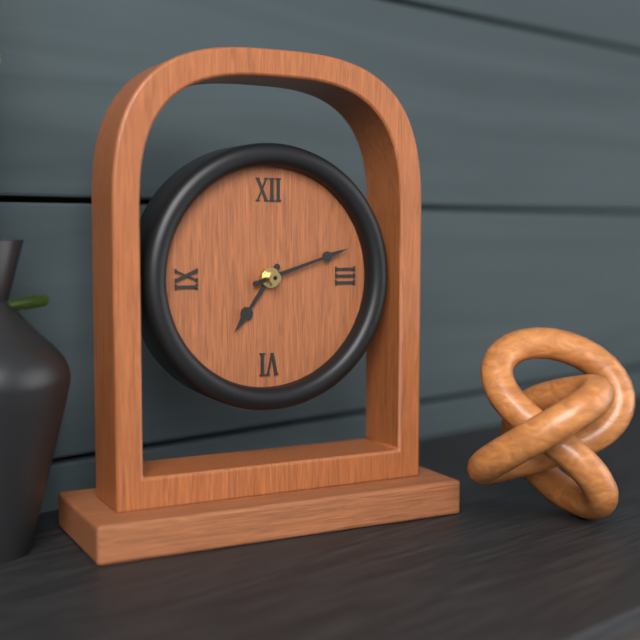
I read 7.12
